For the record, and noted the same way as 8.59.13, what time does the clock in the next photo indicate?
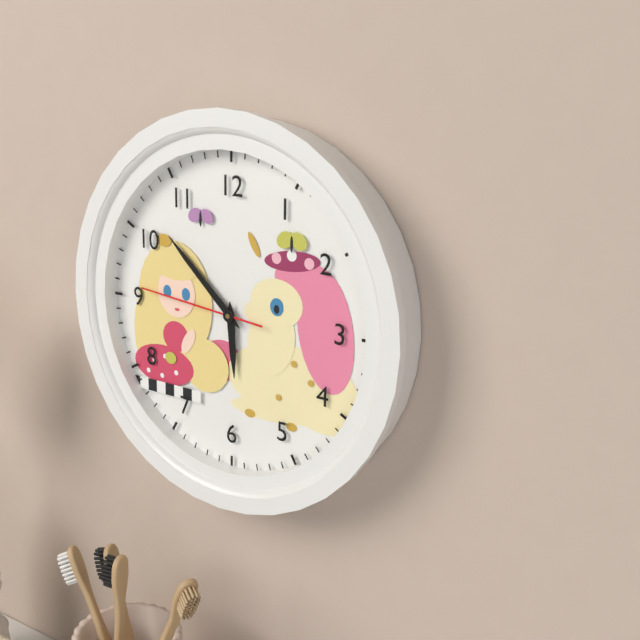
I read 5.52.46
